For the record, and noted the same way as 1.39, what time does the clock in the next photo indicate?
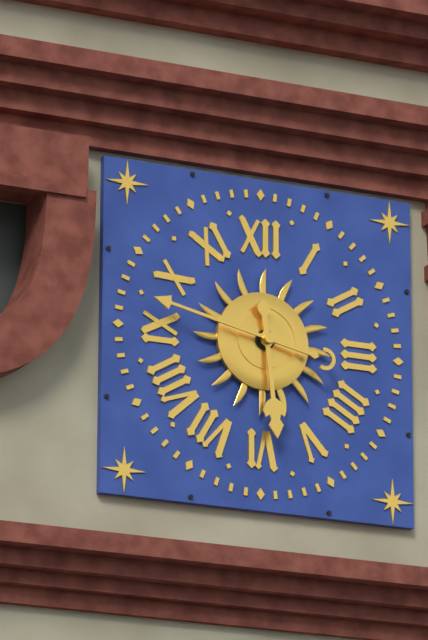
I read 5.47
